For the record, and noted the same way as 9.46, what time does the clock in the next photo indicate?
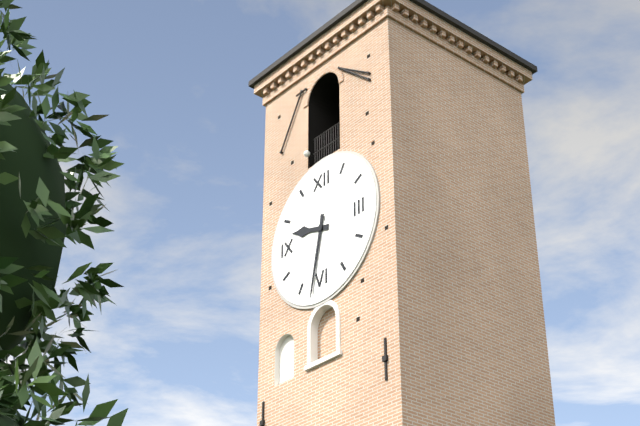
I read 9.32
